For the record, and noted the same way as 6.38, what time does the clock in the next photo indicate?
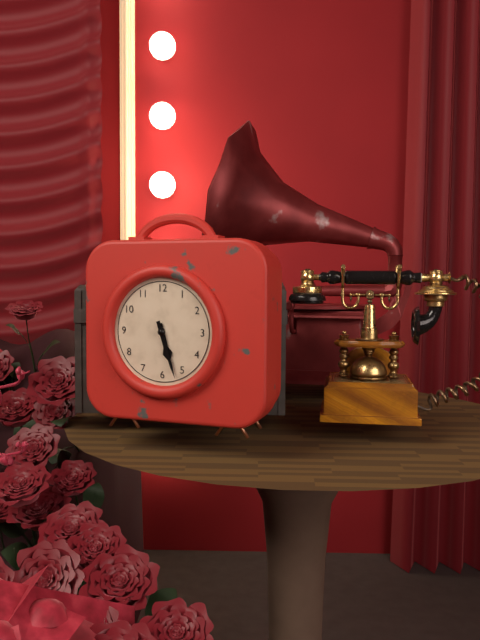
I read 5.27
